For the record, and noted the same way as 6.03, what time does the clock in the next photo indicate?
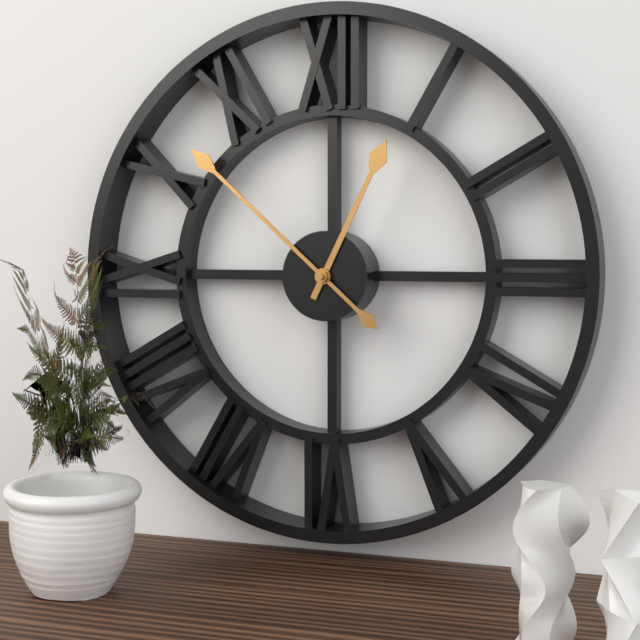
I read 12.52
